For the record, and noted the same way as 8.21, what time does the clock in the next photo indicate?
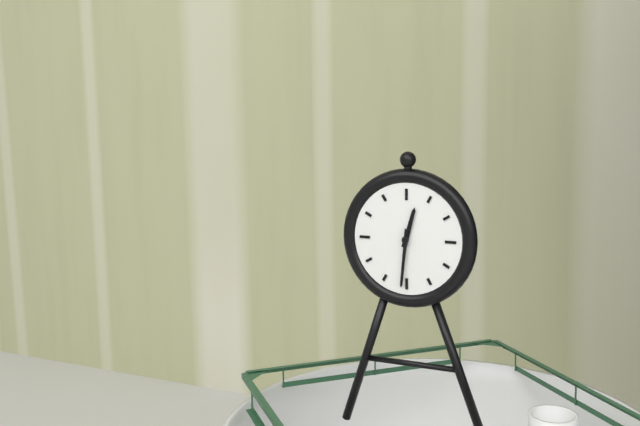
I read 12.31
